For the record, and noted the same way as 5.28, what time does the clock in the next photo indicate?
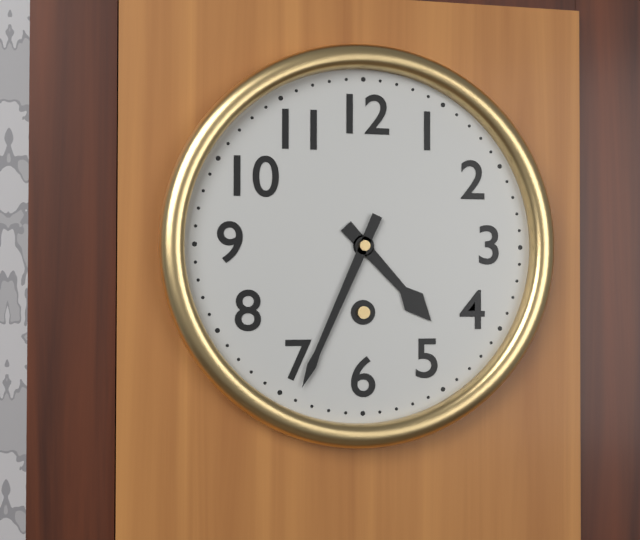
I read 4.34
